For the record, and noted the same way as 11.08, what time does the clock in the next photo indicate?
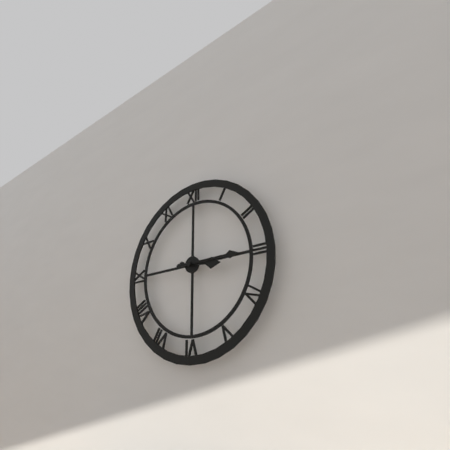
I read 3.15
